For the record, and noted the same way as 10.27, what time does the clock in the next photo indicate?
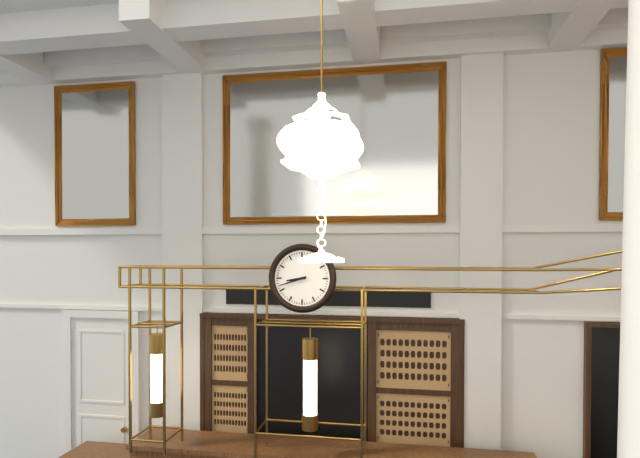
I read 8.42
